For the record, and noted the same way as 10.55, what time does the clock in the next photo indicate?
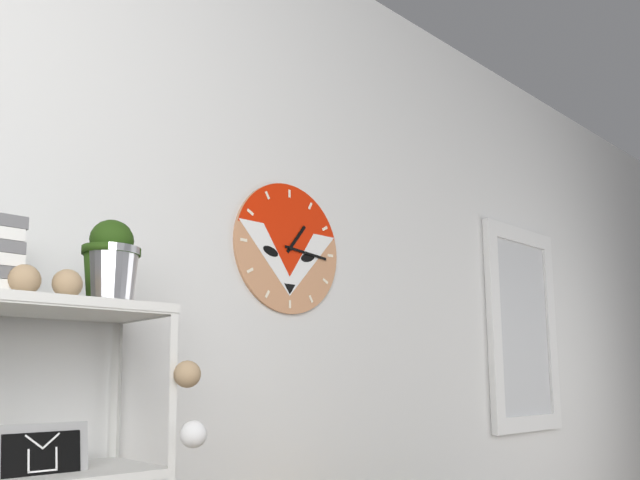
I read 1.16
